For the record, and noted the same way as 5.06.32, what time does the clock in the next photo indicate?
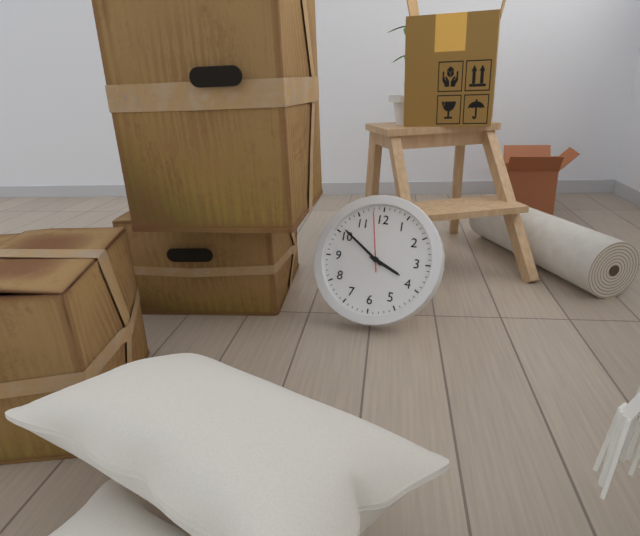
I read 3.51.58
